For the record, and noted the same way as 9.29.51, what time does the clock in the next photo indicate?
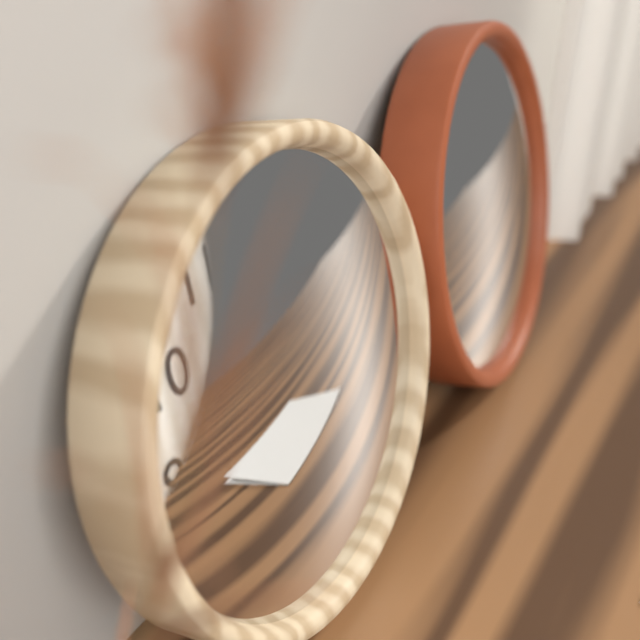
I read 5.07.44
